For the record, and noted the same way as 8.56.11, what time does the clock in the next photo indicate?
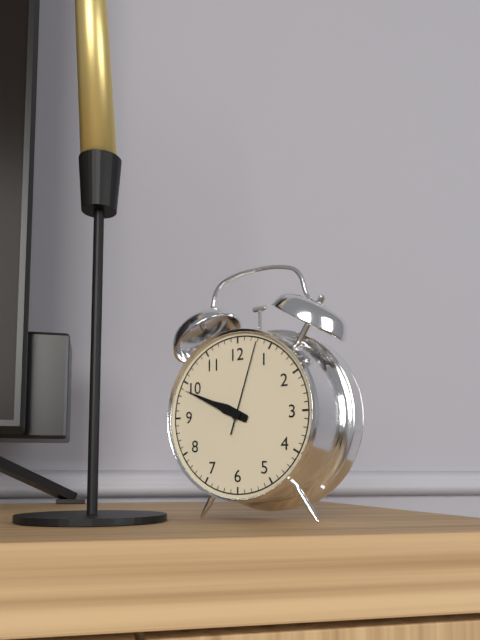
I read 9.49.03
